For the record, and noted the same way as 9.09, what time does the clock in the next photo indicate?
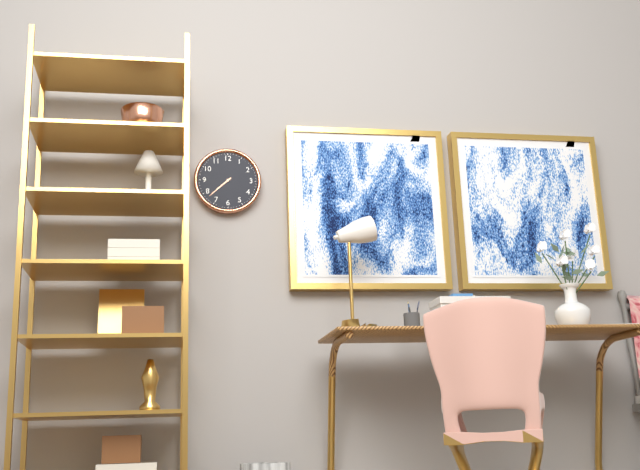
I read 7.38
